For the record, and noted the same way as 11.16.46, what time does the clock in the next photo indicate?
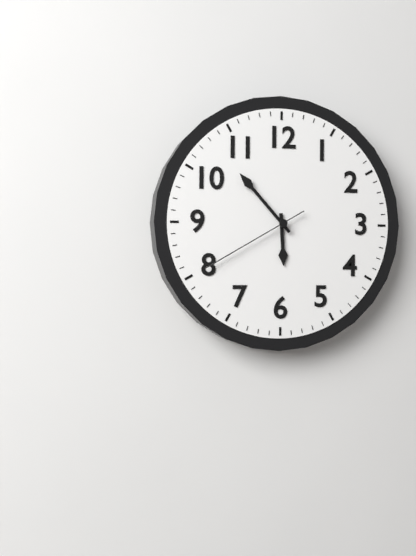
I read 5.53.40
